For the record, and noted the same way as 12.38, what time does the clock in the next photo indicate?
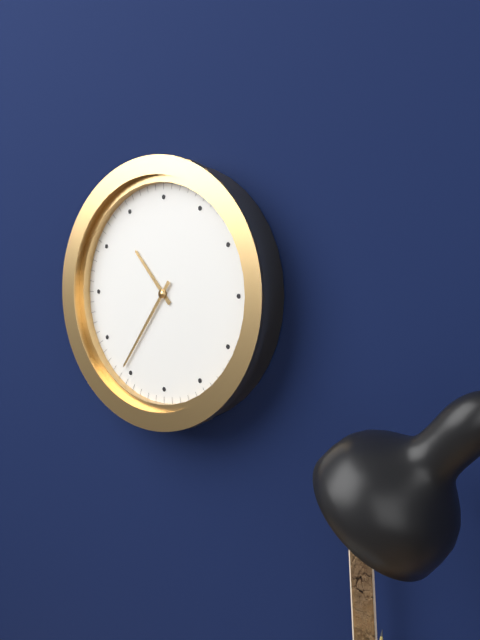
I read 10.36
